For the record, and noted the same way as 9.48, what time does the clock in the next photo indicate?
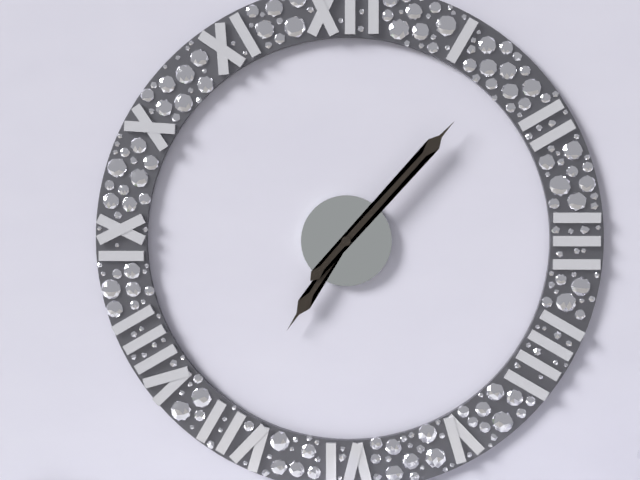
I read 7.07
